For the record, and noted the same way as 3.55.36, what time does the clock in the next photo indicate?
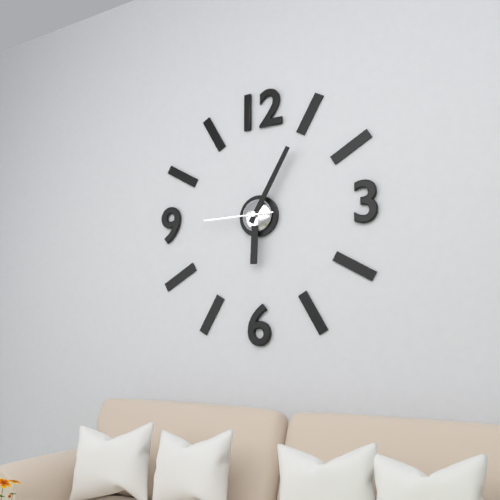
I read 6.05.45
